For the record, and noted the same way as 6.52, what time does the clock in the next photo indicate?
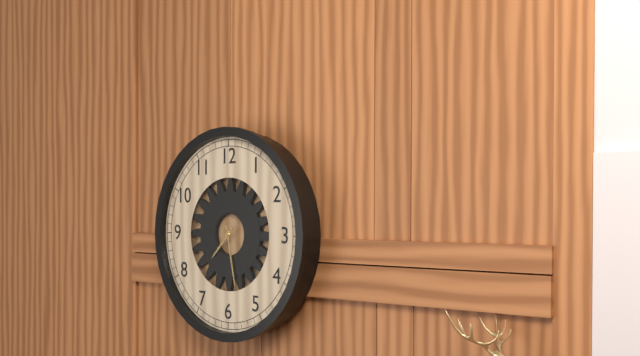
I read 7.28
